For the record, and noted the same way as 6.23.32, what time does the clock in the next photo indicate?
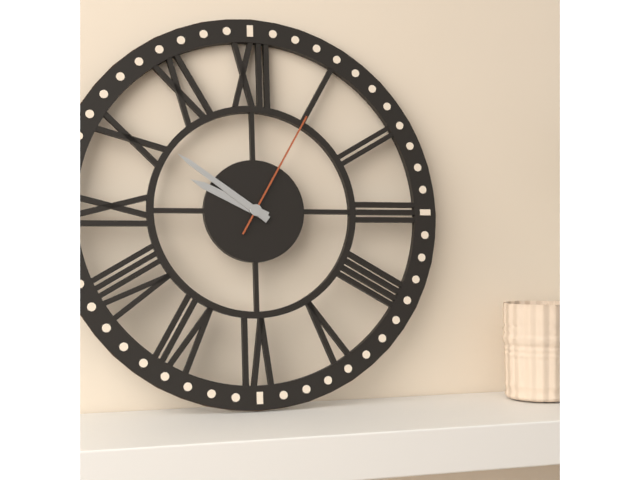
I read 9.51.05
